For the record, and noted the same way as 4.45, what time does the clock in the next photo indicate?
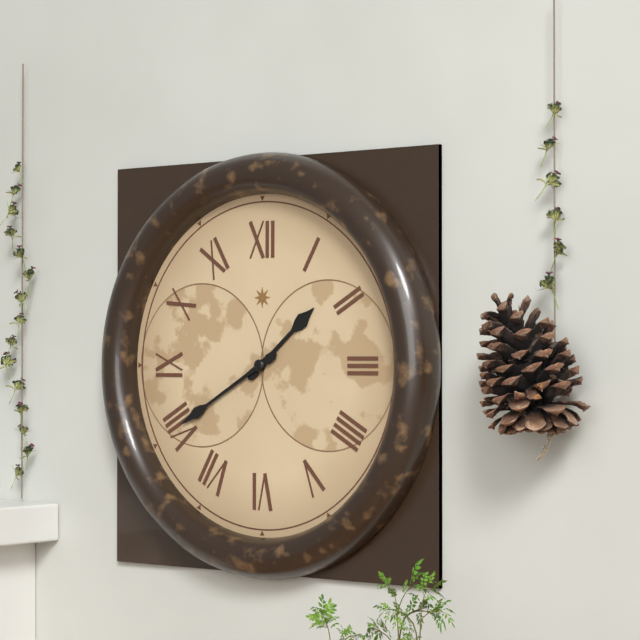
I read 1.40
